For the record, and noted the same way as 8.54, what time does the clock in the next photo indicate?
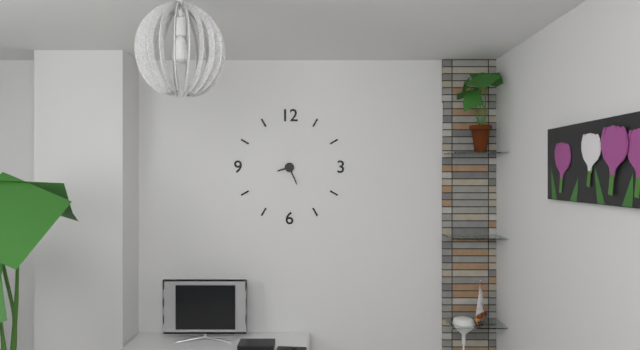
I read 8.26
